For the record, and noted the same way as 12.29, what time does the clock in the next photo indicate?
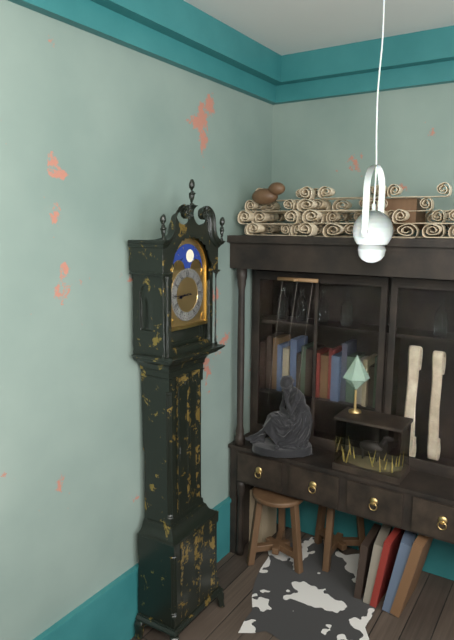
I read 8.45
